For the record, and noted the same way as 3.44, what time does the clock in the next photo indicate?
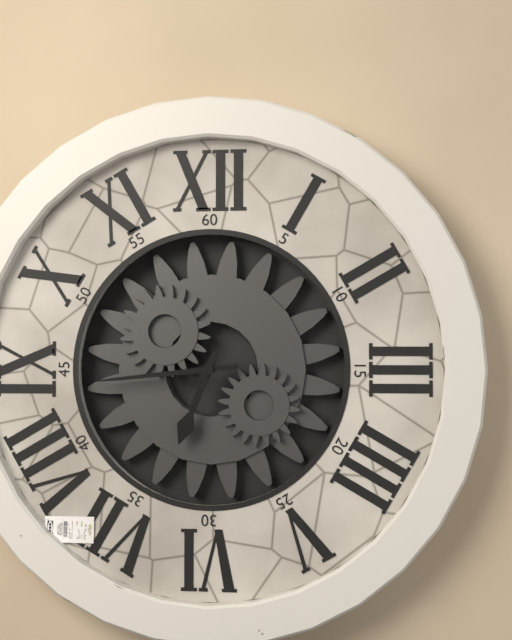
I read 6.44
